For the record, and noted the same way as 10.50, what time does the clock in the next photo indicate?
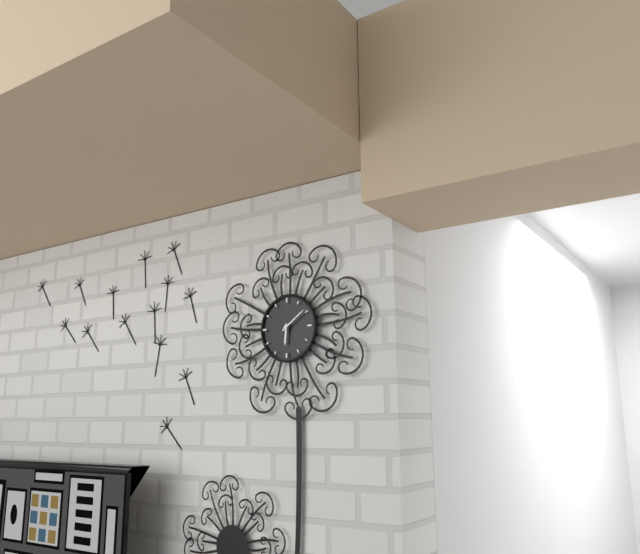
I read 6.09
